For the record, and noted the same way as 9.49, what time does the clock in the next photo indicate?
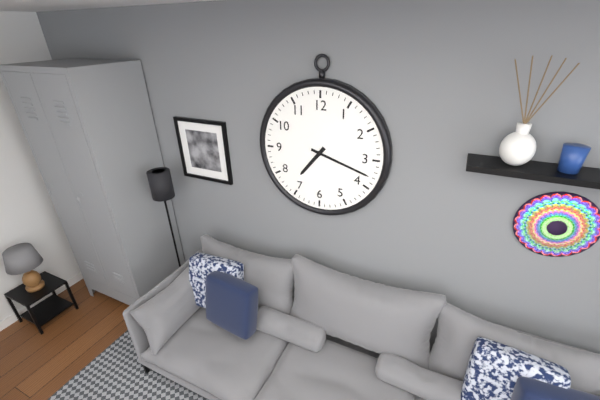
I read 7.18
